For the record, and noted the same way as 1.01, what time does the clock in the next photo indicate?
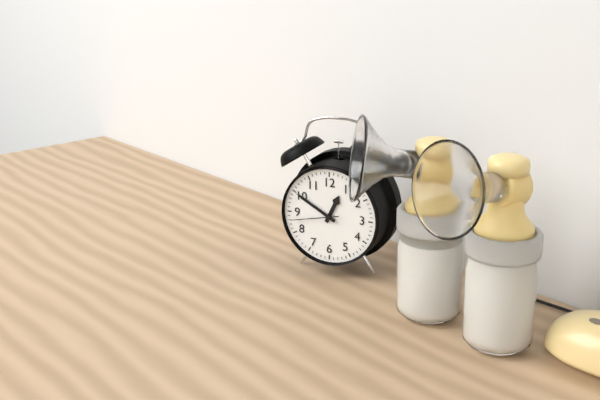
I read 12.50
